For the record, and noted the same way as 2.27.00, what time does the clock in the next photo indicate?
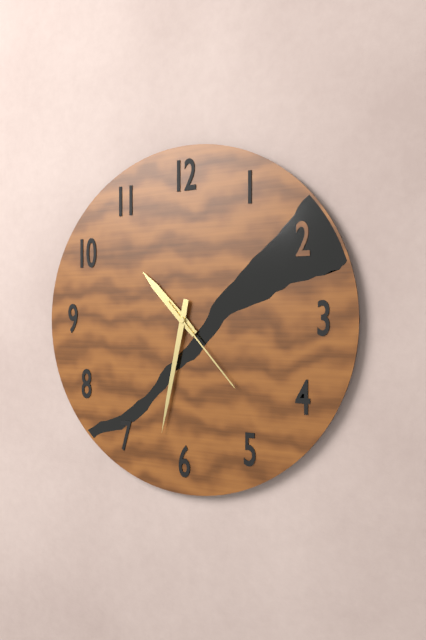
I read 10.32.23
